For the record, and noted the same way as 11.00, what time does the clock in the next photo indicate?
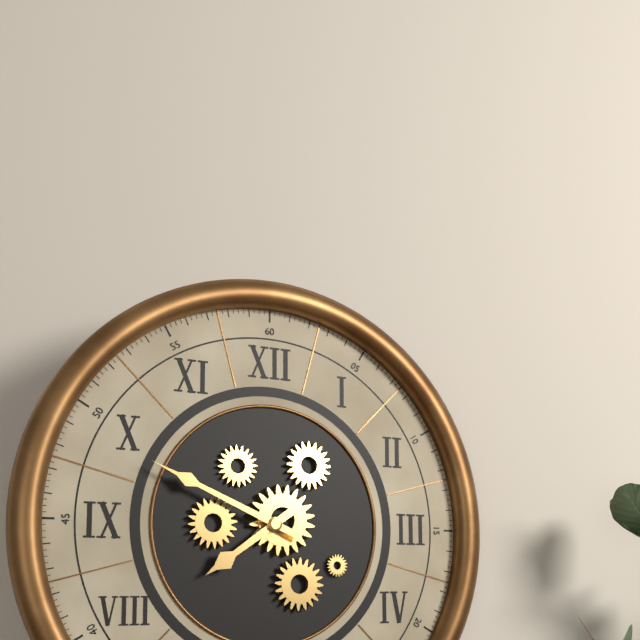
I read 7.49
